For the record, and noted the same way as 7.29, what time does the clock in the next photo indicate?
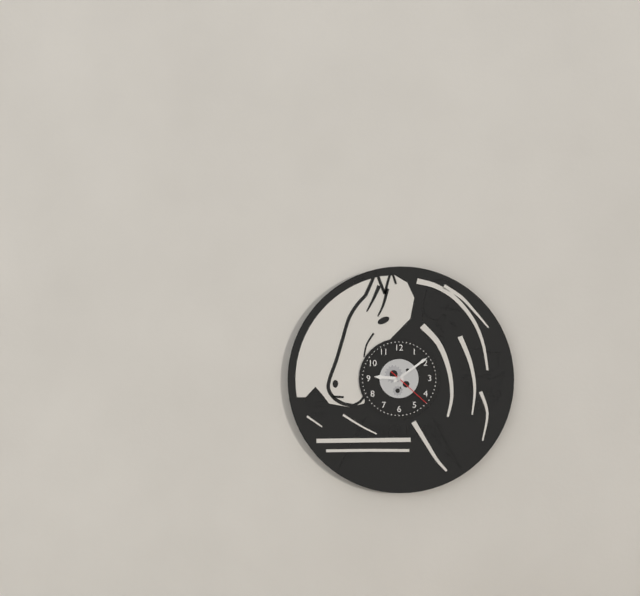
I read 9.09
